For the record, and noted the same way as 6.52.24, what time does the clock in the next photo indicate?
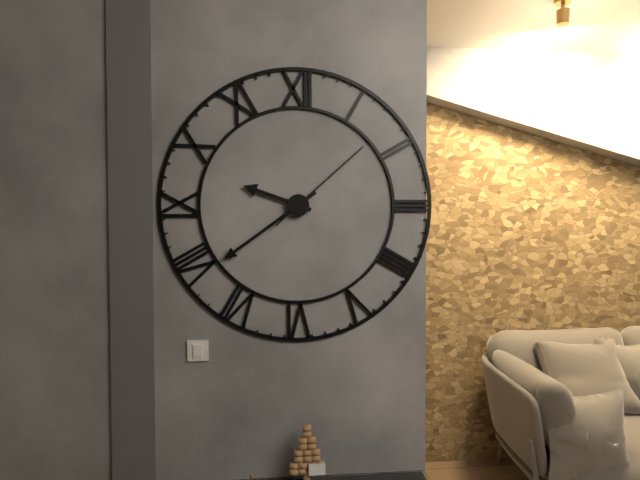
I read 9.39.08
